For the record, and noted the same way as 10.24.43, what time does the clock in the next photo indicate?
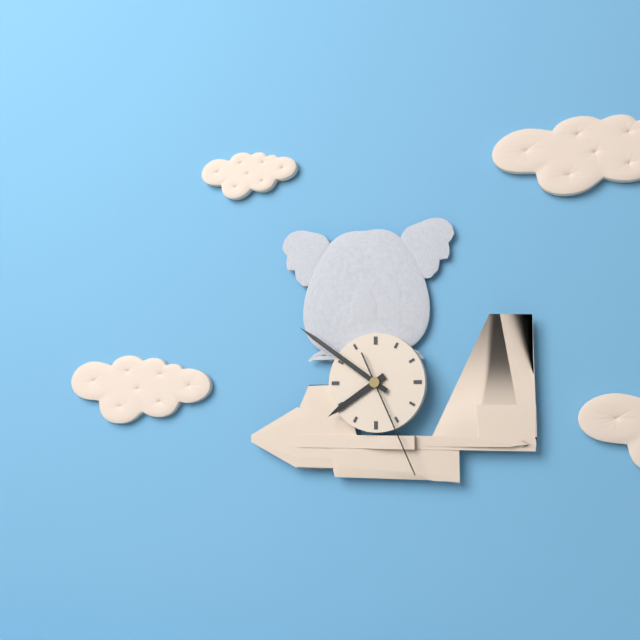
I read 7.51.26
